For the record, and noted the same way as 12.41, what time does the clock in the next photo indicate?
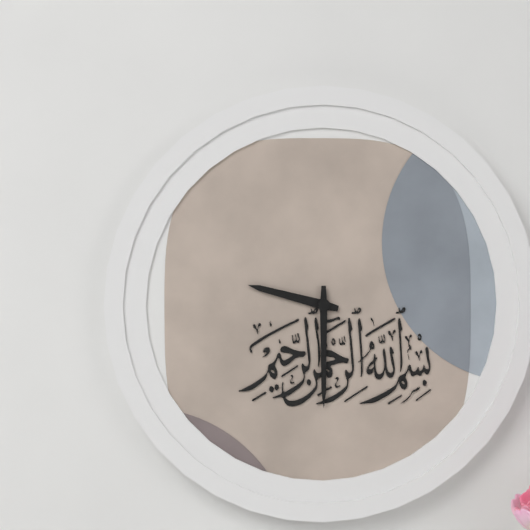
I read 9.30
